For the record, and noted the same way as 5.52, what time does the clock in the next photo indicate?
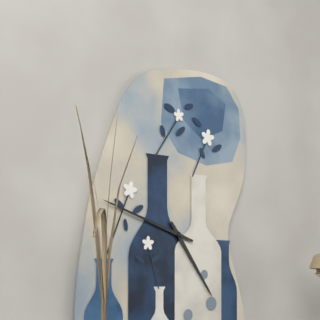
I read 4.48
